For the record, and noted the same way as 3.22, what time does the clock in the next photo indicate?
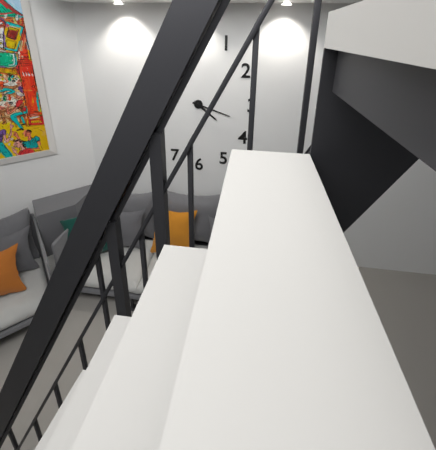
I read 4.18
